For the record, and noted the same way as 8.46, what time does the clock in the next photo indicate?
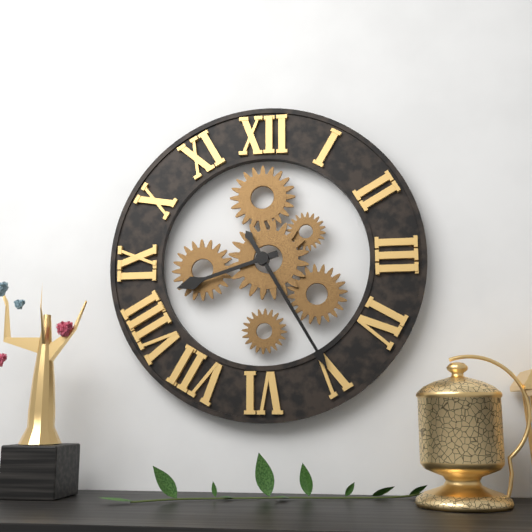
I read 8.25
